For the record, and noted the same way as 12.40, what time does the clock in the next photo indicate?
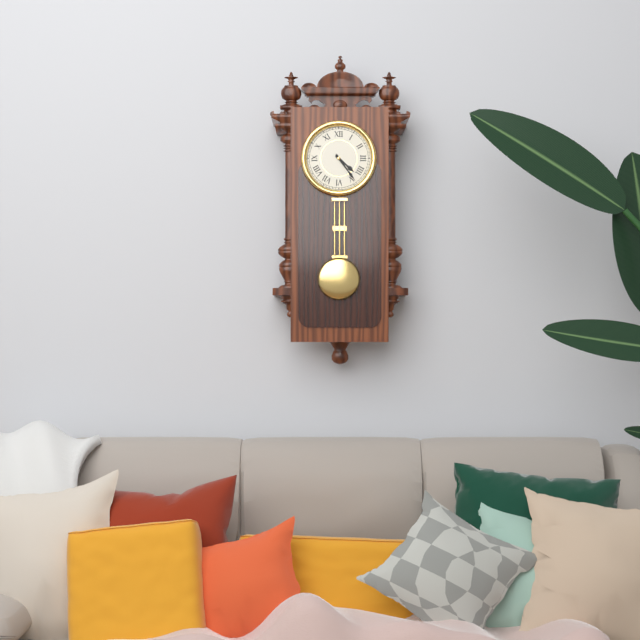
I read 4.24
